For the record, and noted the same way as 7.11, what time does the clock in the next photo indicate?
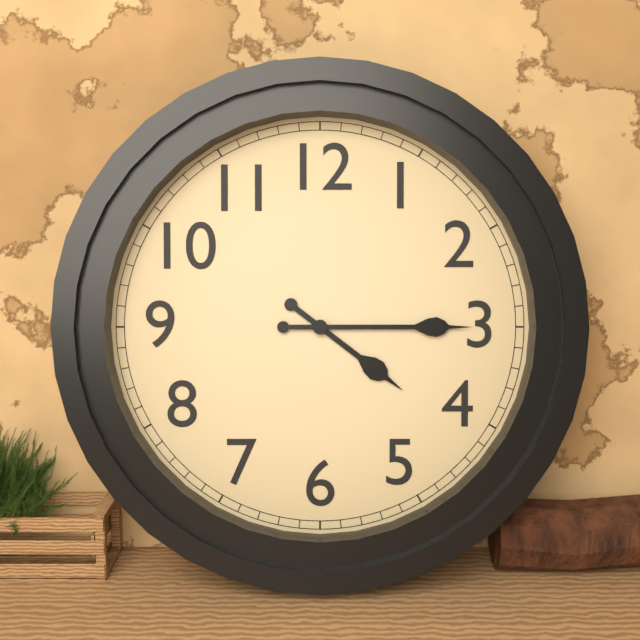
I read 4.15
